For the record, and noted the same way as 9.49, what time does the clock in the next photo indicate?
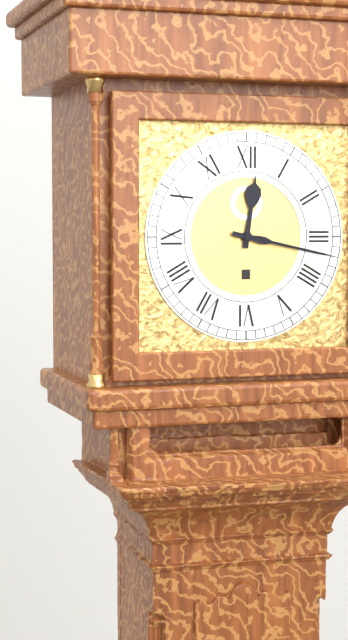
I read 12.17
